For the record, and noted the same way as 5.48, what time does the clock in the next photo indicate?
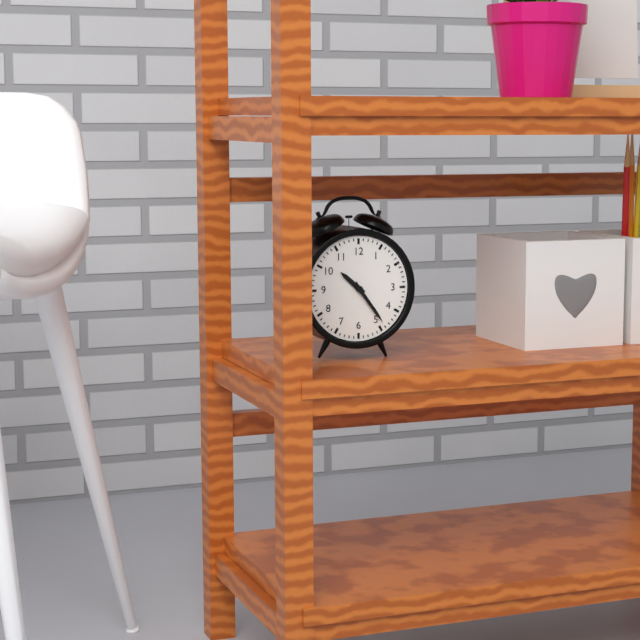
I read 10.24
